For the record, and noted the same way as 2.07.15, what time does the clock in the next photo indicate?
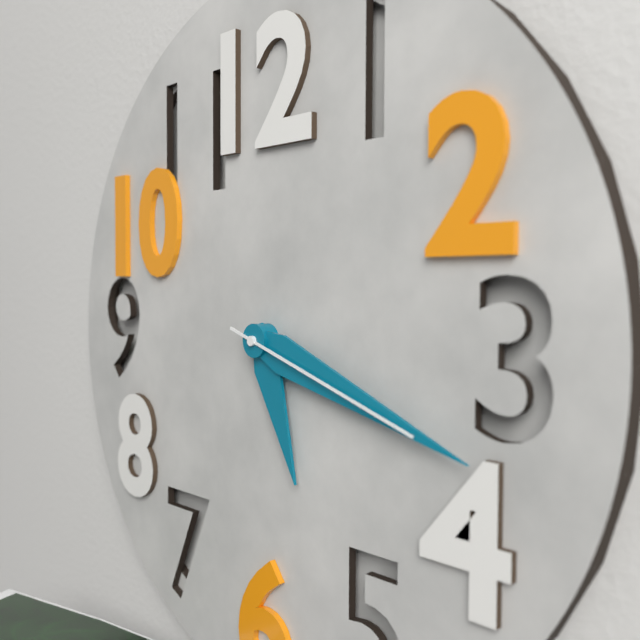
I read 5.18.18
